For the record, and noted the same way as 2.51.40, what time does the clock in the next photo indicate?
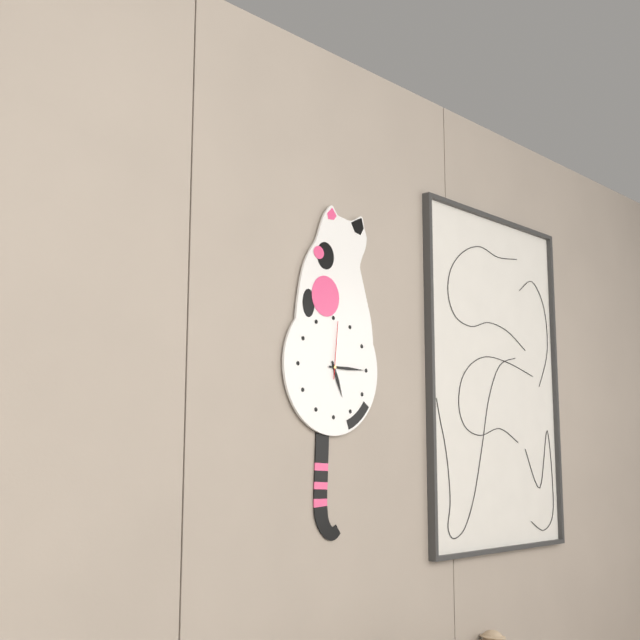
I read 5.15.01
